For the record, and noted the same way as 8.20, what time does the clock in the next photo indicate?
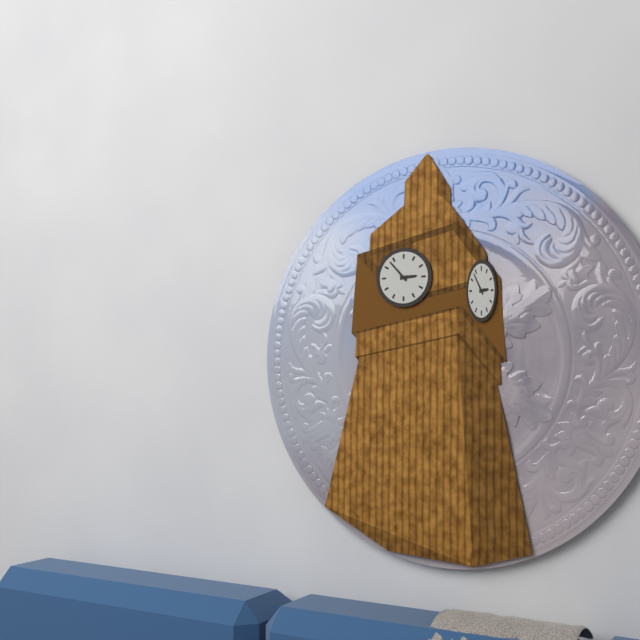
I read 2.53
